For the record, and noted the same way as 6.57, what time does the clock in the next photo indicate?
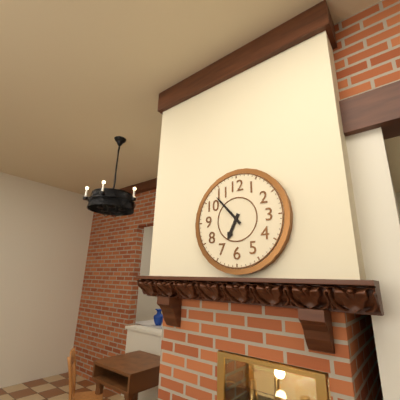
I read 6.53
